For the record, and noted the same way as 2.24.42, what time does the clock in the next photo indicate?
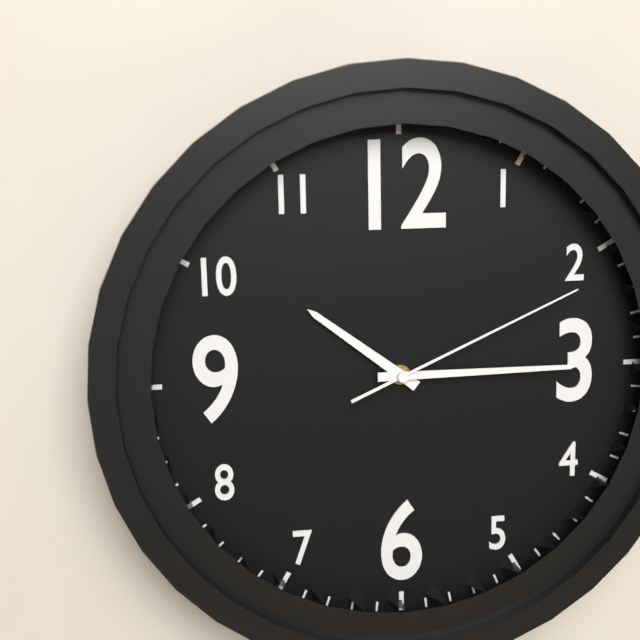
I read 10.15.11
